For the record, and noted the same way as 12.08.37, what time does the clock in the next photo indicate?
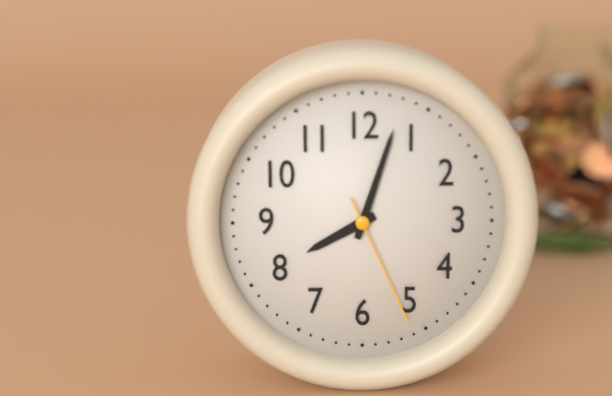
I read 8.03.26
